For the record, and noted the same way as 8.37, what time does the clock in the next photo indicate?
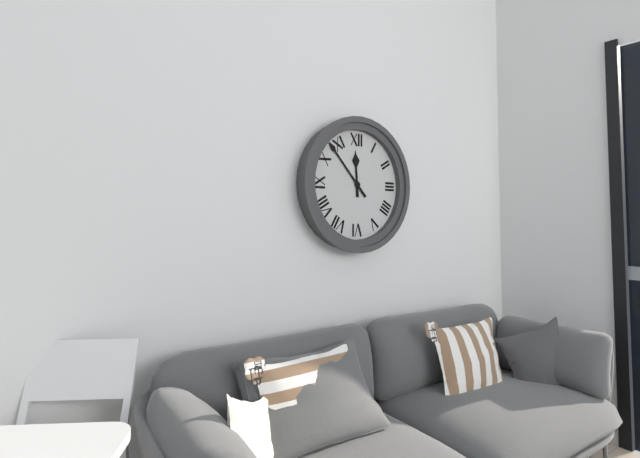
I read 11.53
